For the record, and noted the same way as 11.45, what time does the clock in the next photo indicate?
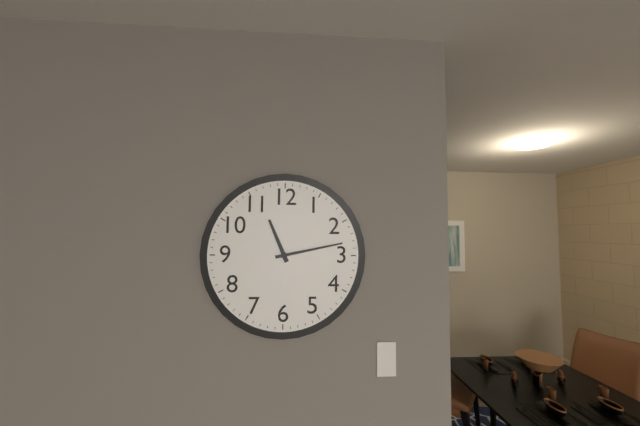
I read 11.13
